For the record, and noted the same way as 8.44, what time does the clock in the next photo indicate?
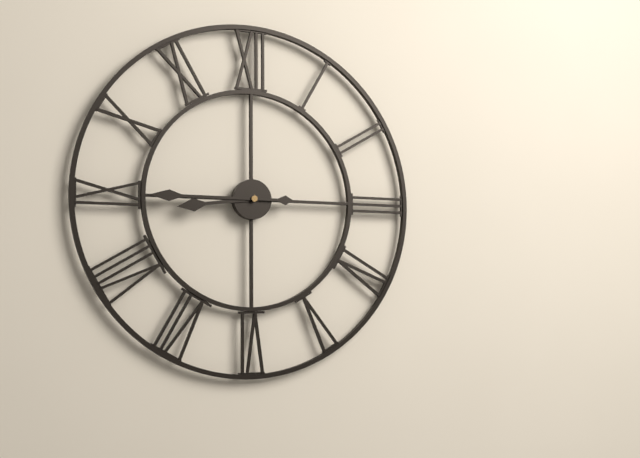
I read 8.45
